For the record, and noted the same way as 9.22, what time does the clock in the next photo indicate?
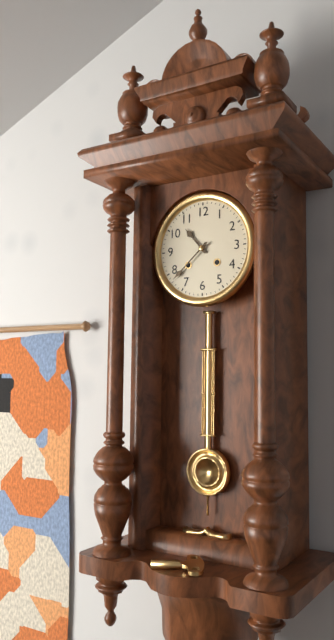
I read 10.38
